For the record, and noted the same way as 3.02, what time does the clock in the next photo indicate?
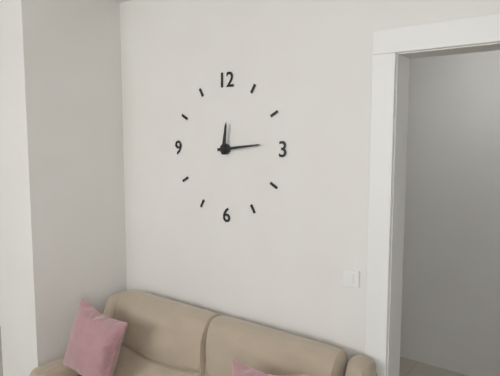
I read 12.14
